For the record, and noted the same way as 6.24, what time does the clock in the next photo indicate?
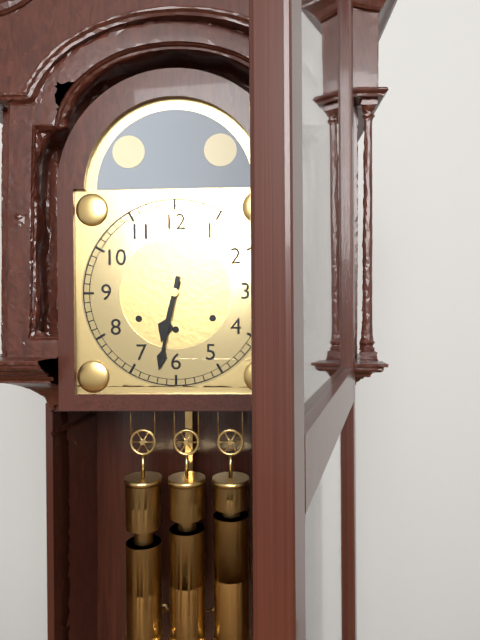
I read 6.32
